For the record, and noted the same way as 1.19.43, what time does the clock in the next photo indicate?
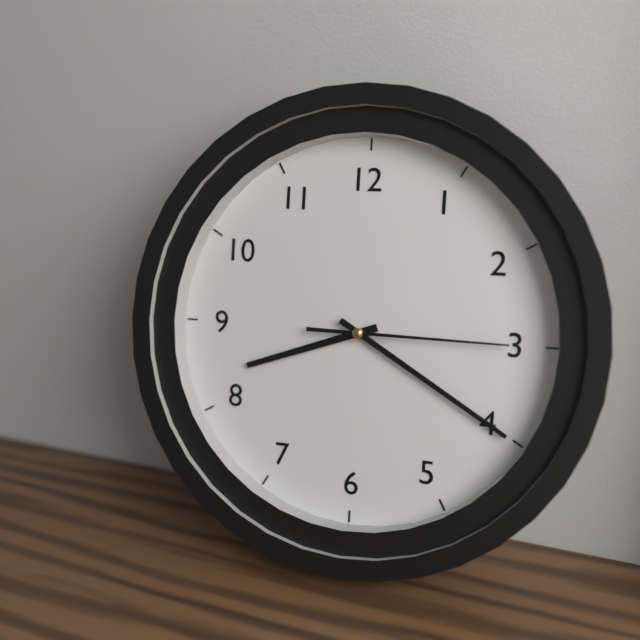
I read 8.20.15
